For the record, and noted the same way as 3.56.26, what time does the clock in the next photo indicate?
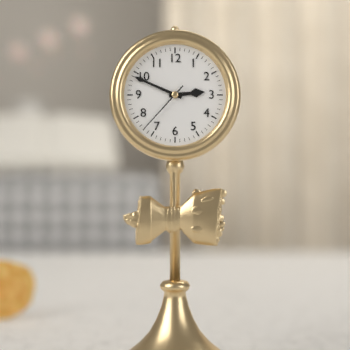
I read 2.49.37
